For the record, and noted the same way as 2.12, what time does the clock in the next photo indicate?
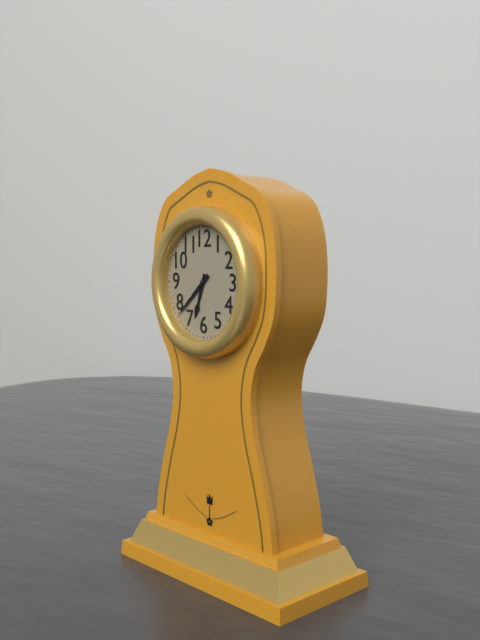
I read 6.38
